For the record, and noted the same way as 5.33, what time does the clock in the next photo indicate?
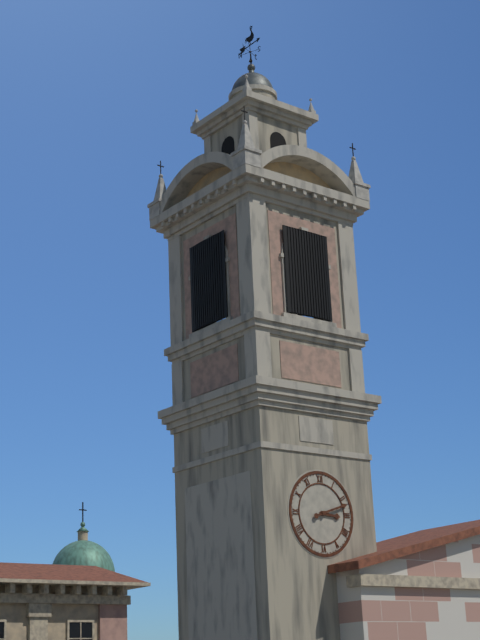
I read 3.12
